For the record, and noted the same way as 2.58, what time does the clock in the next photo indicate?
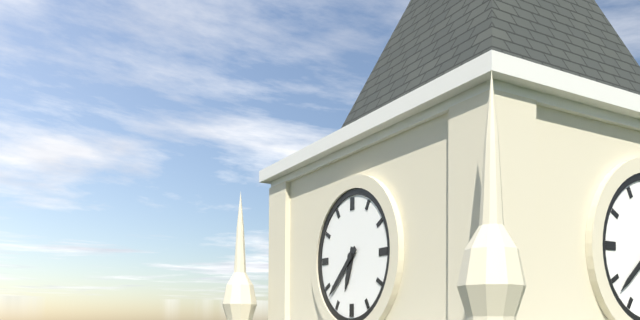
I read 6.38
